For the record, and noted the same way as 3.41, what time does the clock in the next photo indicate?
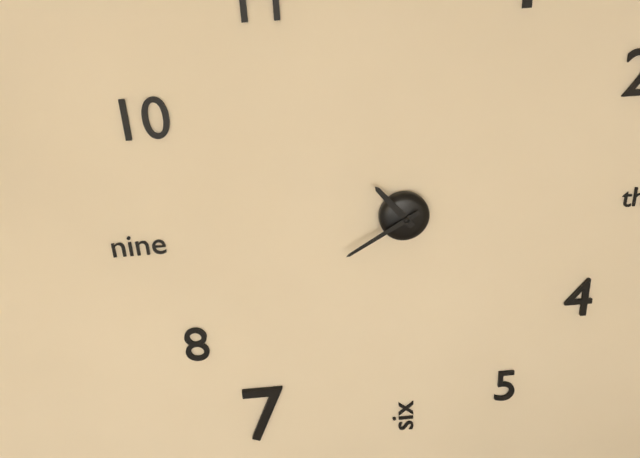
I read 10.40
